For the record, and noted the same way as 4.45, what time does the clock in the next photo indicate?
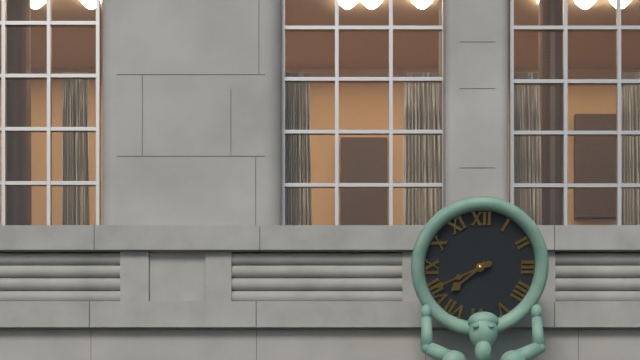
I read 7.41
